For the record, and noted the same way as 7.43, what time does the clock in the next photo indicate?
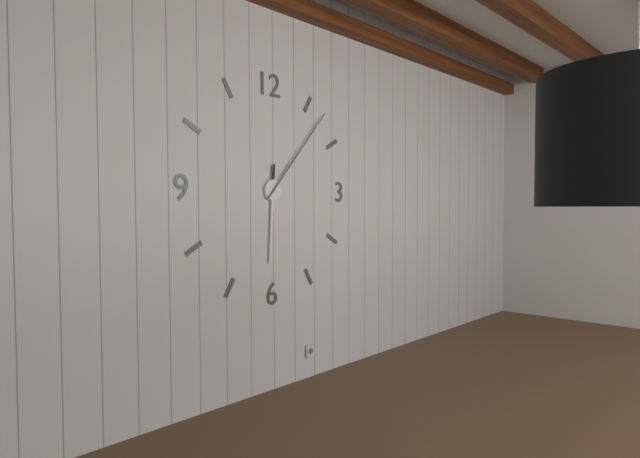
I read 6.07
